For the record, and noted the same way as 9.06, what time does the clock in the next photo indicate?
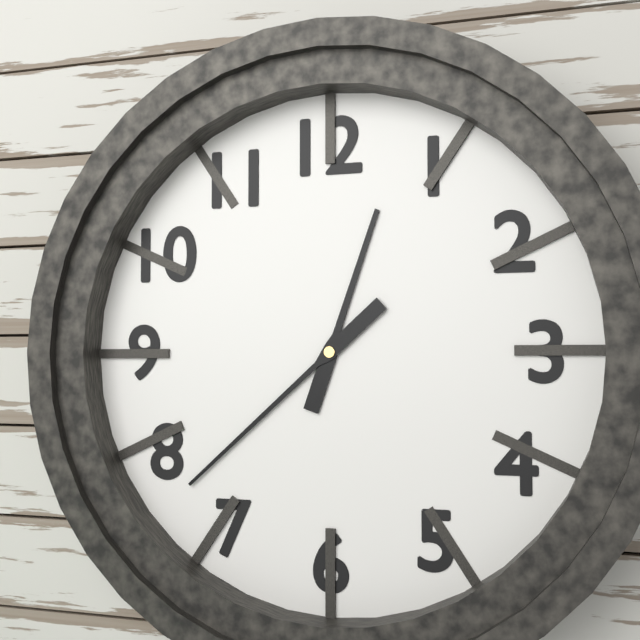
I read 12.38
